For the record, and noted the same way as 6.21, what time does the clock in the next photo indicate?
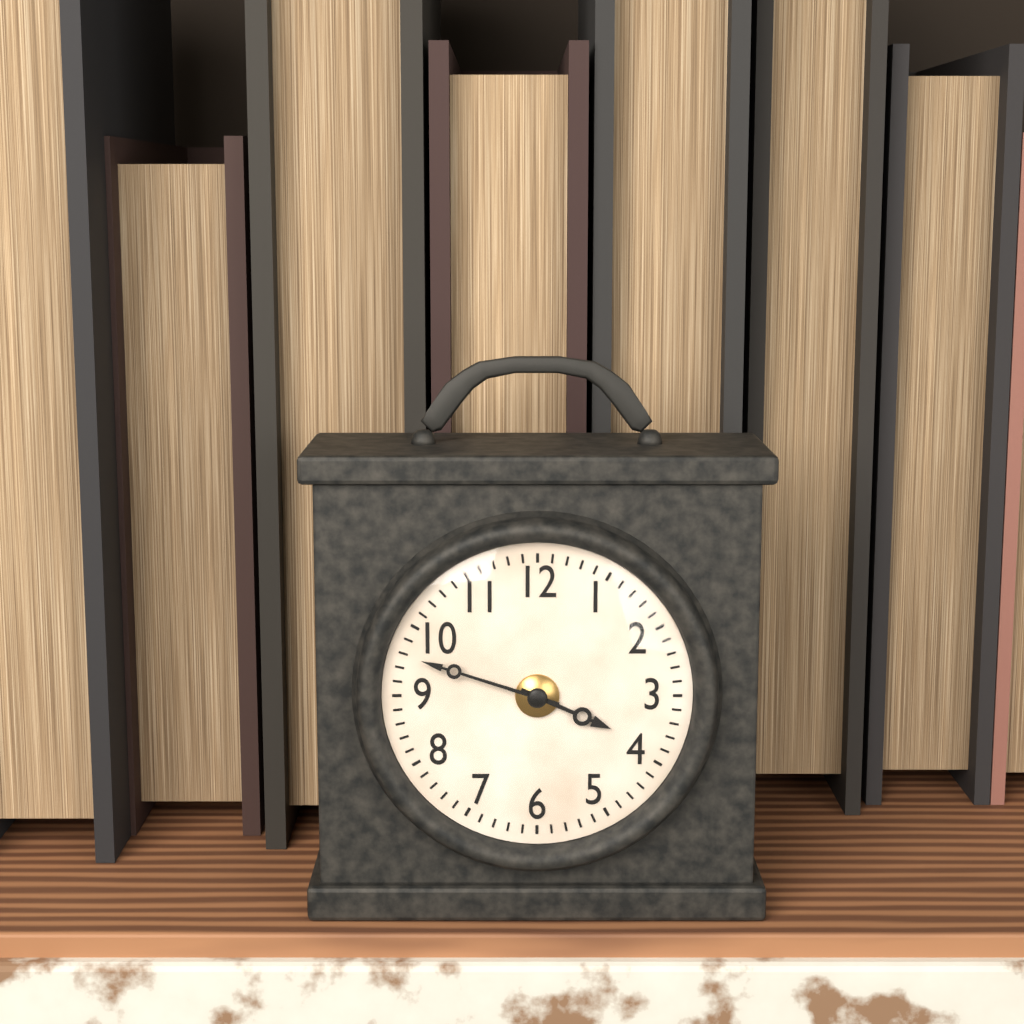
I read 3.48
